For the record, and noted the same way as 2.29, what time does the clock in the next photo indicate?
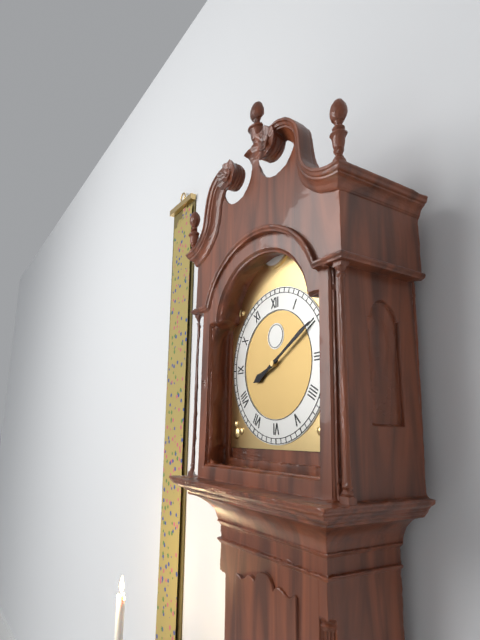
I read 8.10
